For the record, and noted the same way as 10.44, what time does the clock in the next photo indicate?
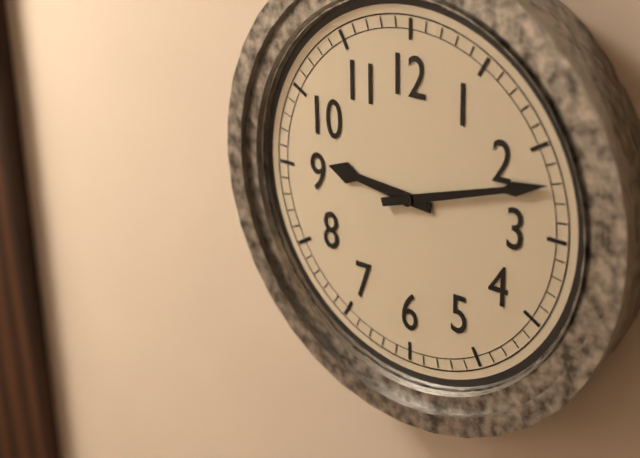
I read 9.12
